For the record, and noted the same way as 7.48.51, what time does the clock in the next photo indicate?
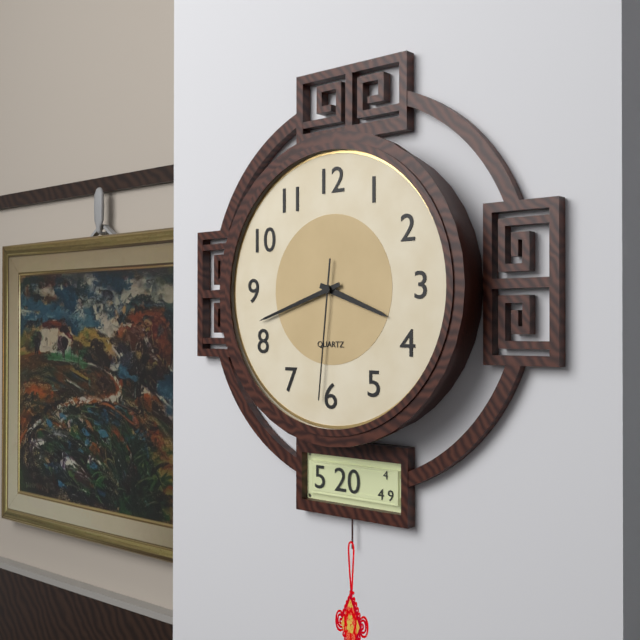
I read 3.42.31
